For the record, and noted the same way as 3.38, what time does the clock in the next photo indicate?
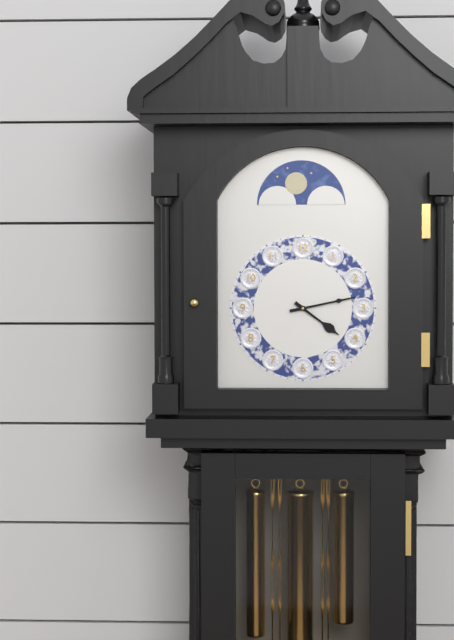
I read 4.13
